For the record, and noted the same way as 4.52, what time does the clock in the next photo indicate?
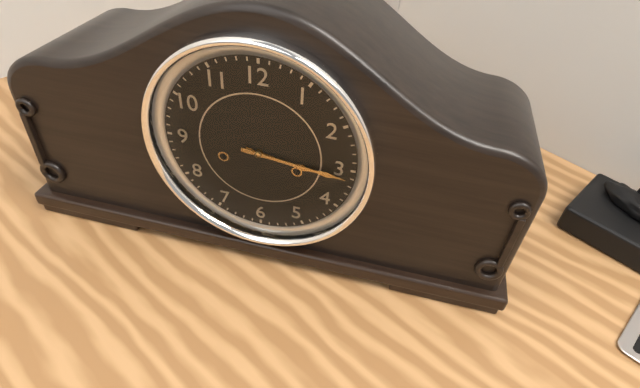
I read 3.16
